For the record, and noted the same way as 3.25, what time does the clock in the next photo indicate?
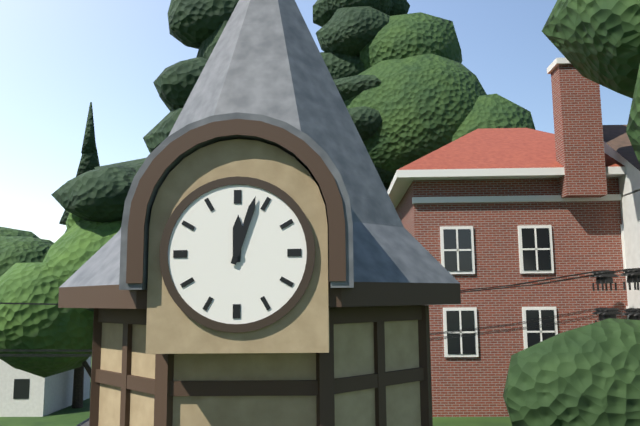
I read 12.03
